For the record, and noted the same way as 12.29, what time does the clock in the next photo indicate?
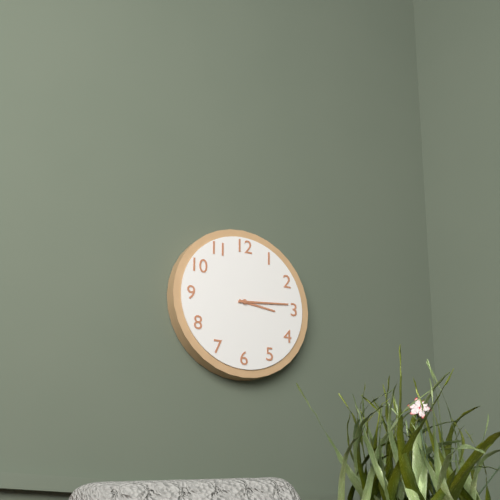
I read 3.14
